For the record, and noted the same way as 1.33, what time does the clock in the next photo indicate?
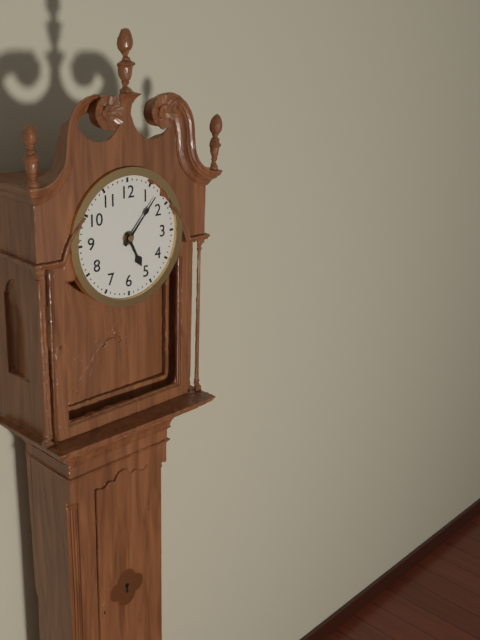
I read 5.07
